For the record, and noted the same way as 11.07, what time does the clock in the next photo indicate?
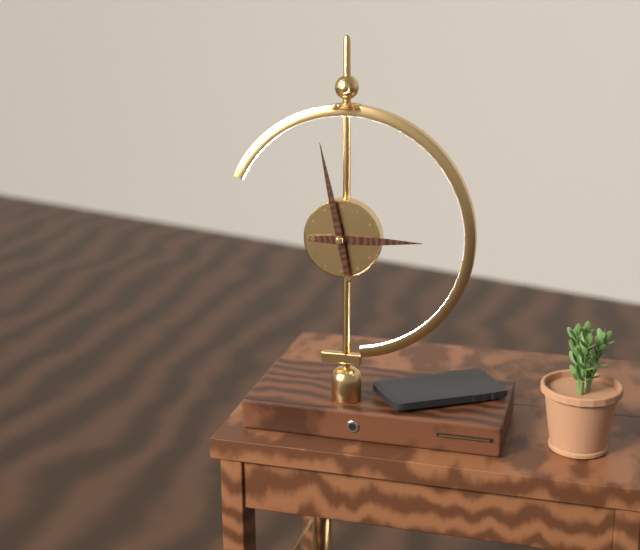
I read 2.58
